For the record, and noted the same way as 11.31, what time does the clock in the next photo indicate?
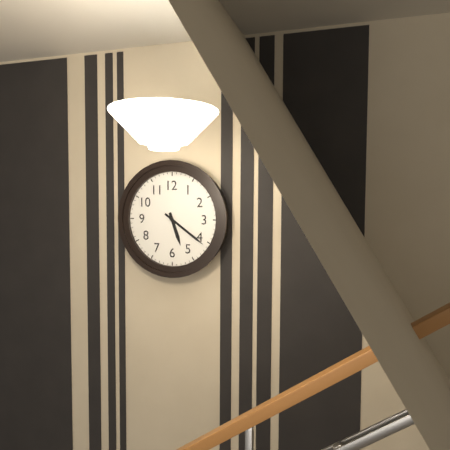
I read 5.21
